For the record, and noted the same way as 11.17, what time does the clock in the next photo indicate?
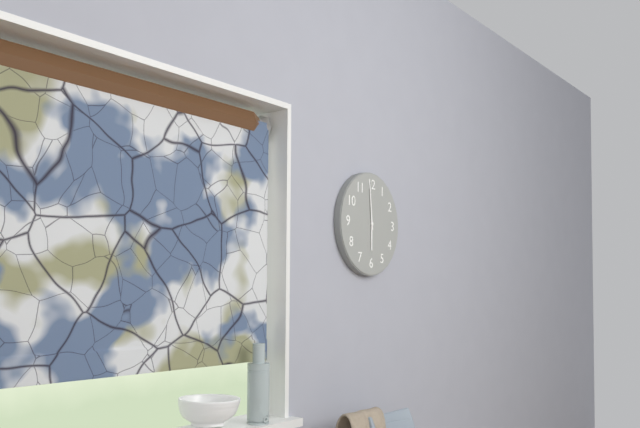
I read 5.59
